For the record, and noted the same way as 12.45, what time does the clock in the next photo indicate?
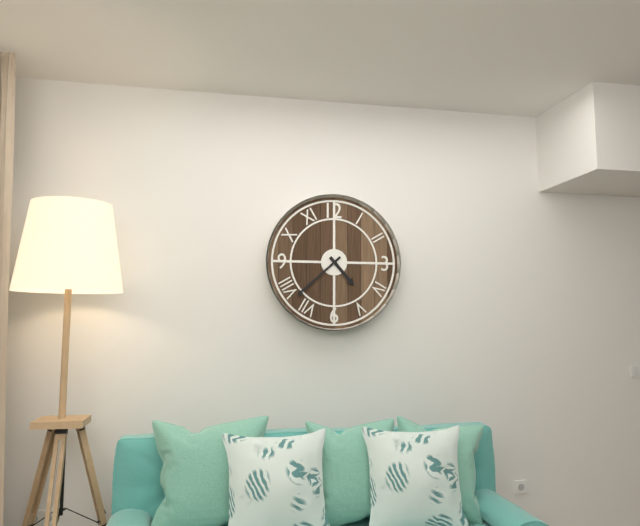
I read 4.38
